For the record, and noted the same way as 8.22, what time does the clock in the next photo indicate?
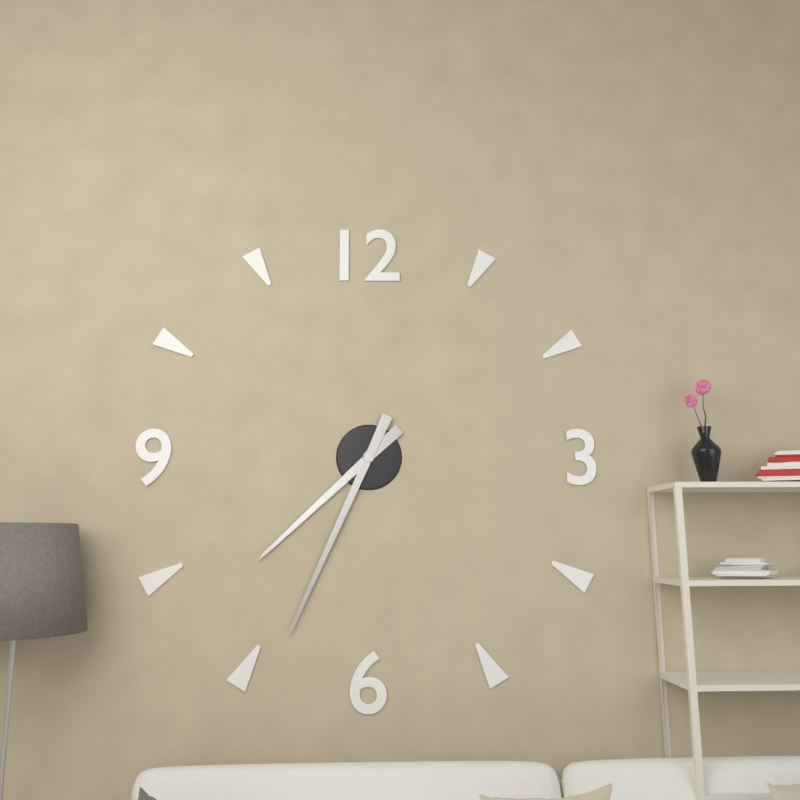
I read 7.34
